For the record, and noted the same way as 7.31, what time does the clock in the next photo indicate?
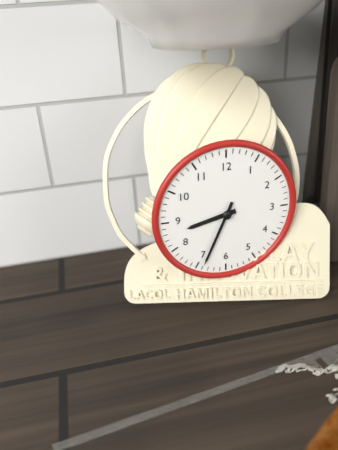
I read 8.34
